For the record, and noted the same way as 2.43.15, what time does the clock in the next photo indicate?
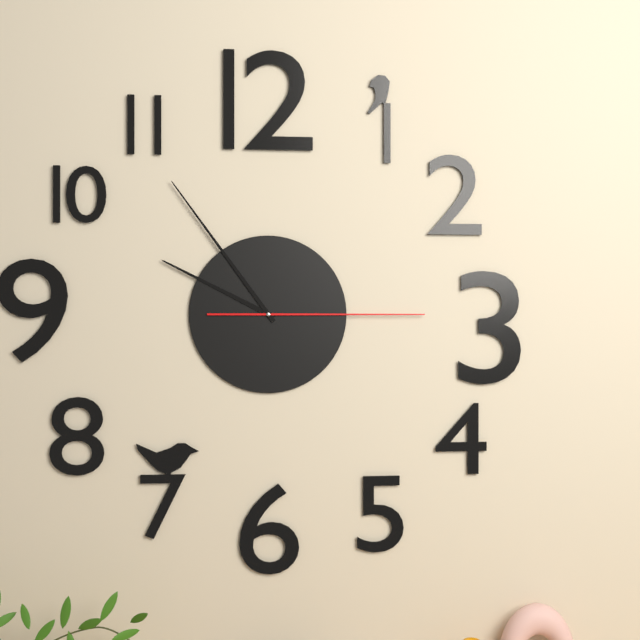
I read 9.54.15
